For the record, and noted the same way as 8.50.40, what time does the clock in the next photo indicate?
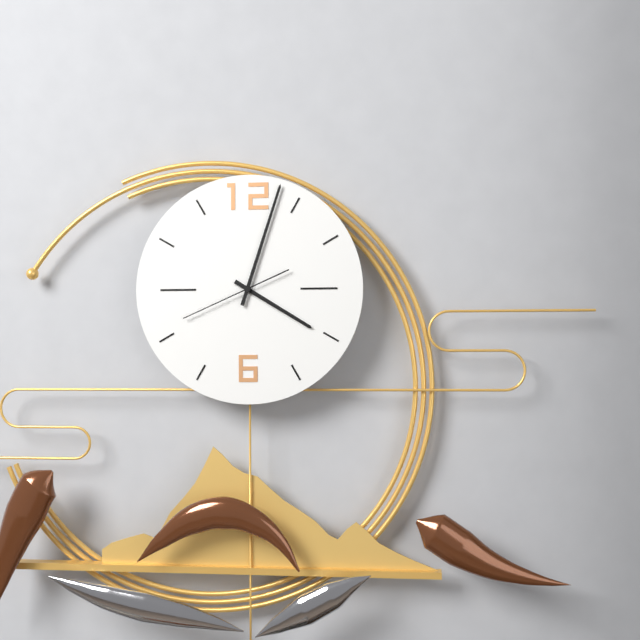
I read 4.03.41
